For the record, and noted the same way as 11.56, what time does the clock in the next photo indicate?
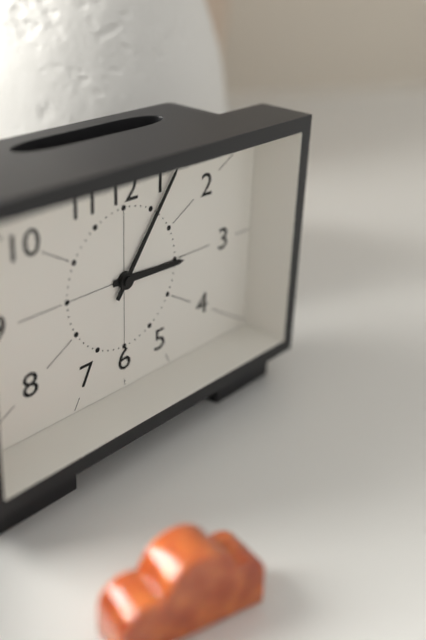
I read 3.06
